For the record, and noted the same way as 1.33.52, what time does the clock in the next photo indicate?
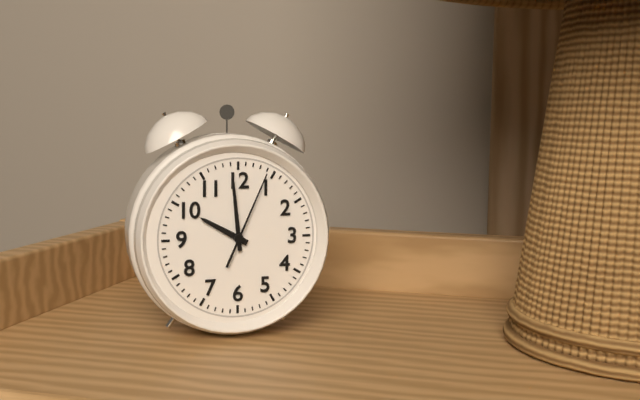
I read 9.59.04
